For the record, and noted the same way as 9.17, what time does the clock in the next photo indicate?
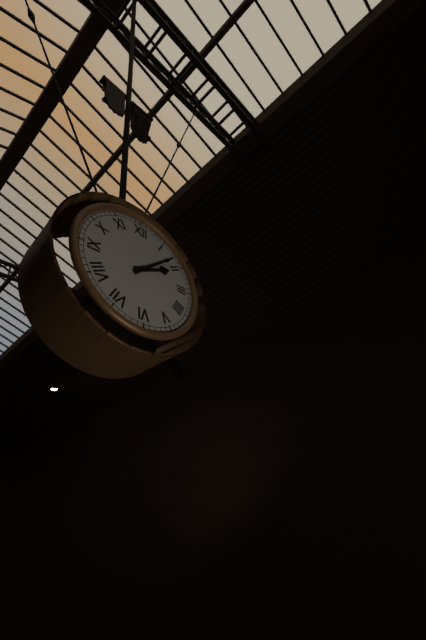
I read 2.08
